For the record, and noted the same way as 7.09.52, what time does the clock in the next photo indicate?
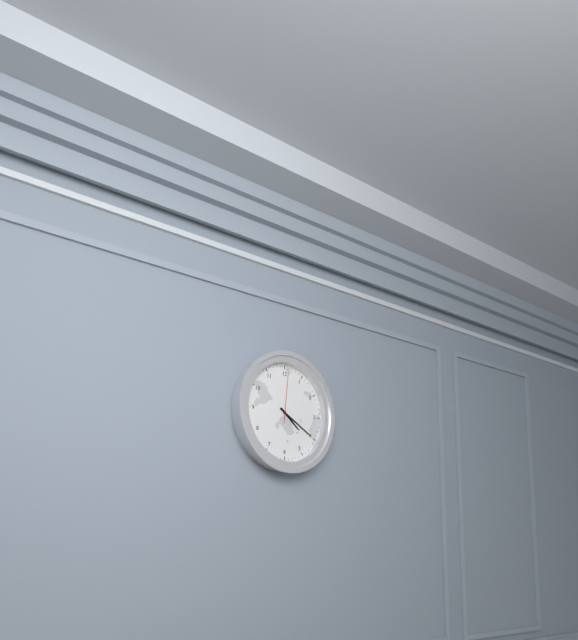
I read 4.20.01
